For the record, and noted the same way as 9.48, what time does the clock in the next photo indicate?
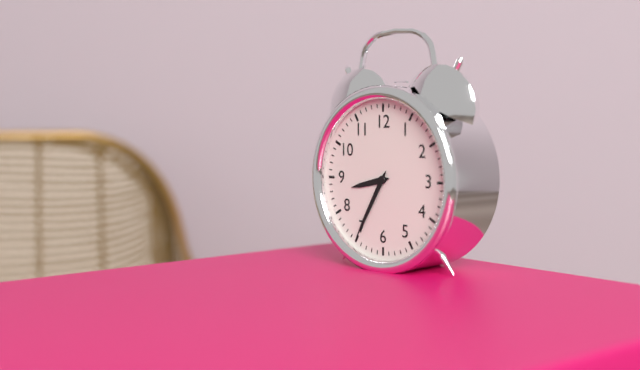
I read 8.35
